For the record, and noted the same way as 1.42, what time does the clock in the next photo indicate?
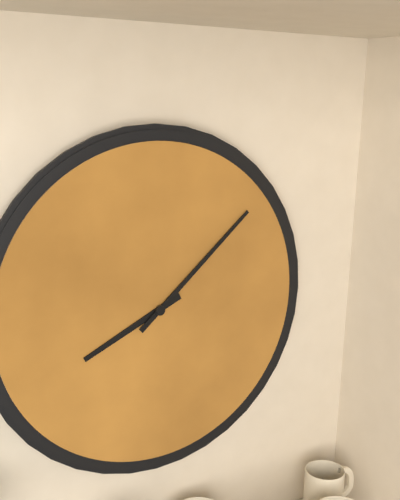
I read 8.08
